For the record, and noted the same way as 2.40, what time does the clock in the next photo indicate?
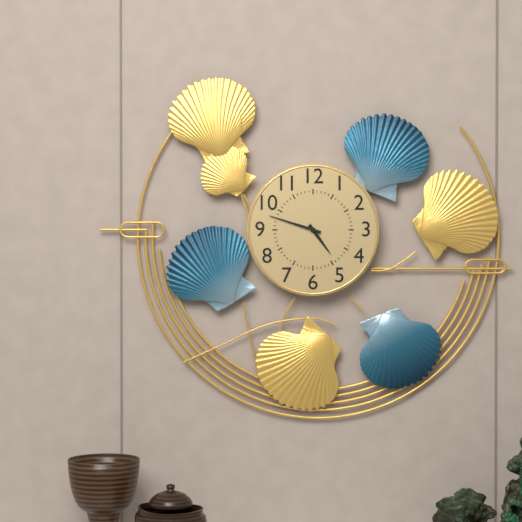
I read 4.48
